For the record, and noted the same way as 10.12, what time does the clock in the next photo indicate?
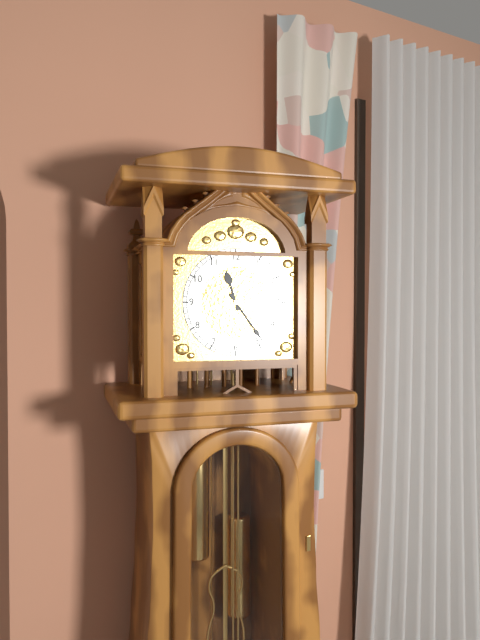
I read 11.24
